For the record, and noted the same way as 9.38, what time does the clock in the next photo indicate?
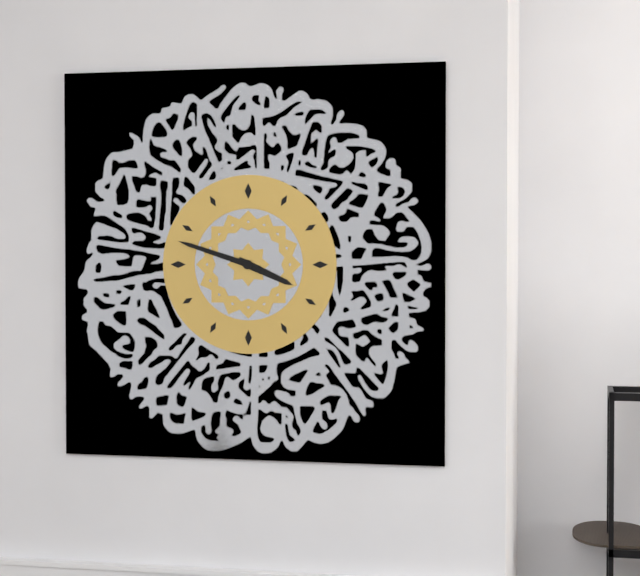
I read 3.48
